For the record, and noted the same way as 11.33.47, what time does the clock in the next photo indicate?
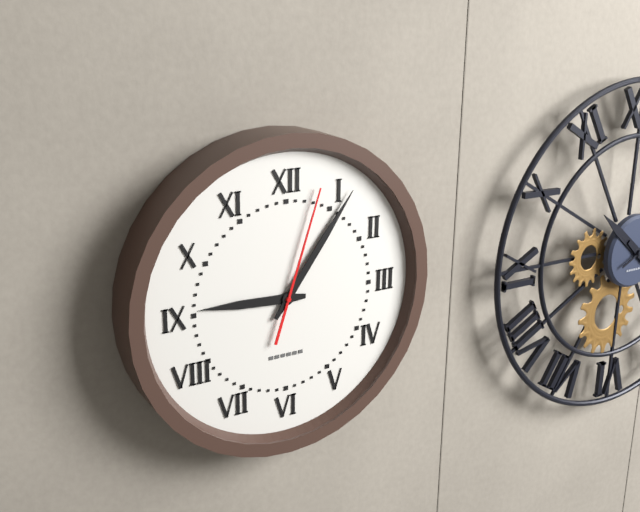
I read 9.06.03
